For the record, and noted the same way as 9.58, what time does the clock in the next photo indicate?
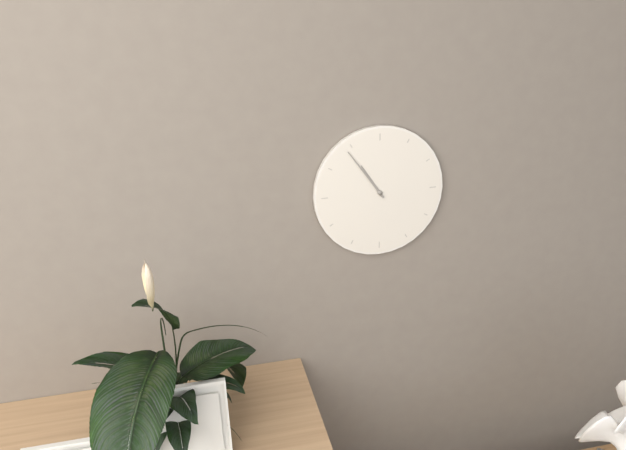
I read 10.54
